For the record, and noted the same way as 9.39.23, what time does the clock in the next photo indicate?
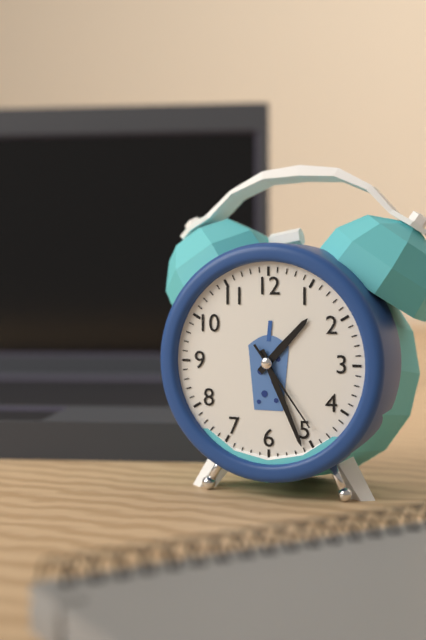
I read 1.26.24
